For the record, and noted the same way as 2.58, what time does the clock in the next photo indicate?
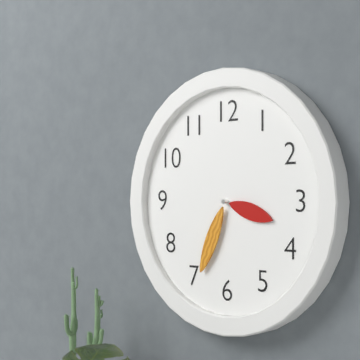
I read 3.34
